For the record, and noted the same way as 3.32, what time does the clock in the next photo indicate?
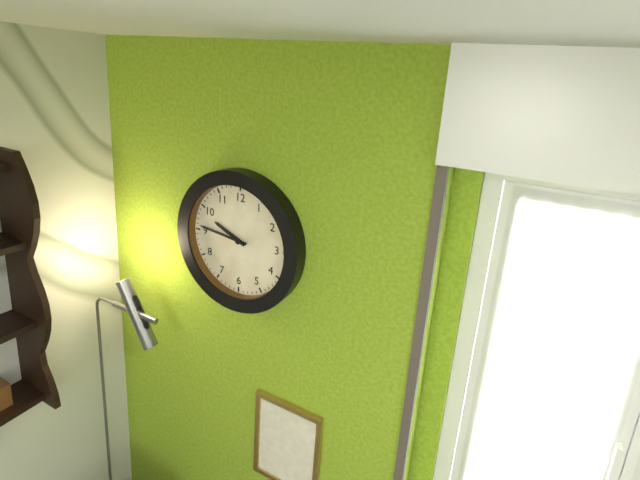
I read 9.46
